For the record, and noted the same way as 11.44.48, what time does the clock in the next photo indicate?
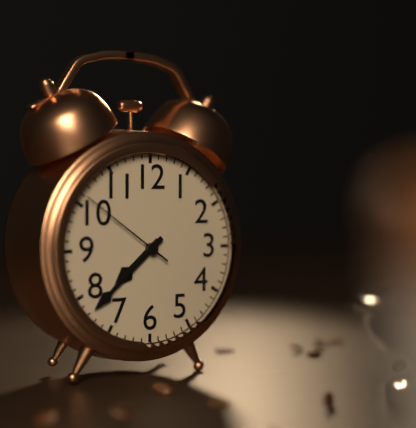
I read 7.38.51
